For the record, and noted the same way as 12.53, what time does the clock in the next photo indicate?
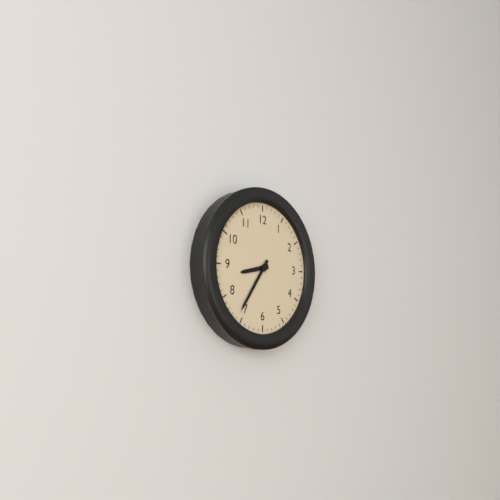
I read 8.36
